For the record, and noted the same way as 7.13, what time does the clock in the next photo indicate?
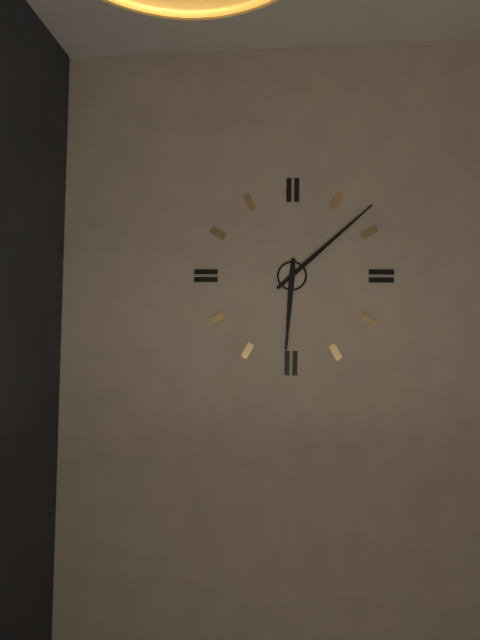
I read 6.08
